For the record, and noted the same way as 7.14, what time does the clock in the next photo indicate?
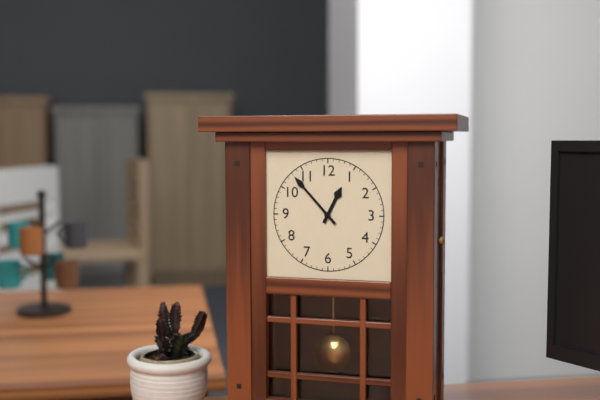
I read 12.53
